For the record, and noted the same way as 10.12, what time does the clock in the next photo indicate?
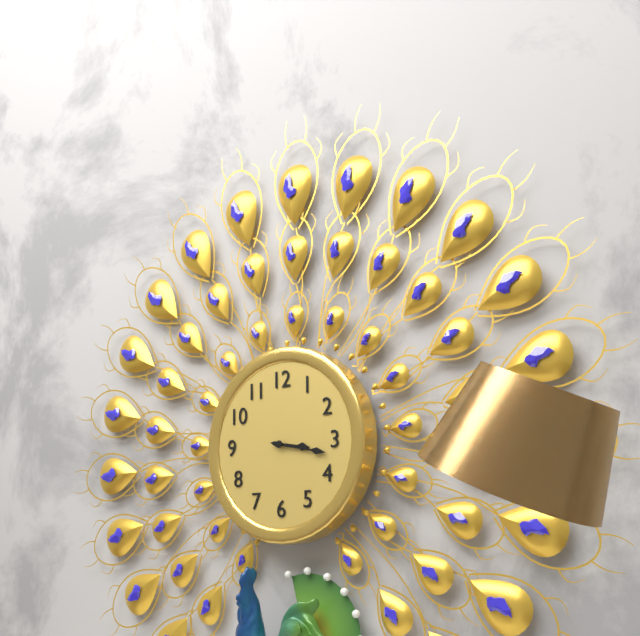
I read 3.17
